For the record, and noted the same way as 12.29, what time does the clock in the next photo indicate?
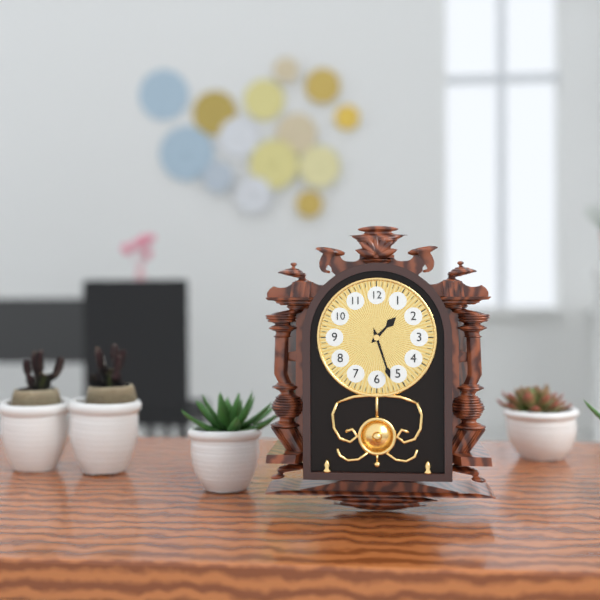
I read 1.27
